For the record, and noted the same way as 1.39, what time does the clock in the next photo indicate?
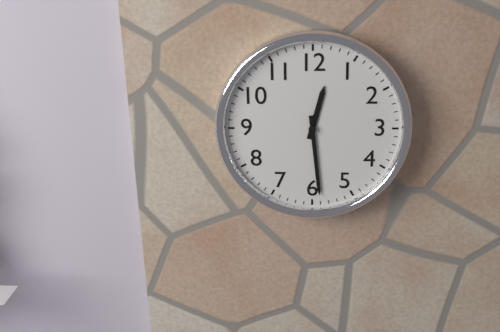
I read 12.29
